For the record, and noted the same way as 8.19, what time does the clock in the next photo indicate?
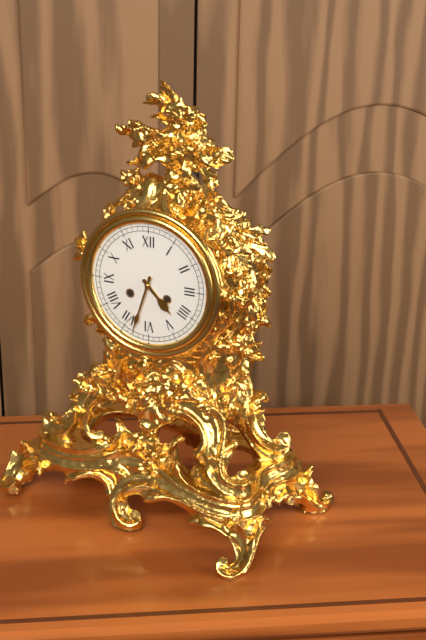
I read 4.33
